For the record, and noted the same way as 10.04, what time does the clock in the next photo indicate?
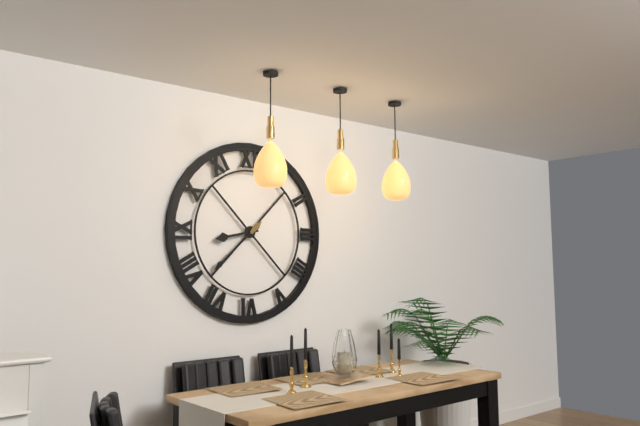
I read 8.38
